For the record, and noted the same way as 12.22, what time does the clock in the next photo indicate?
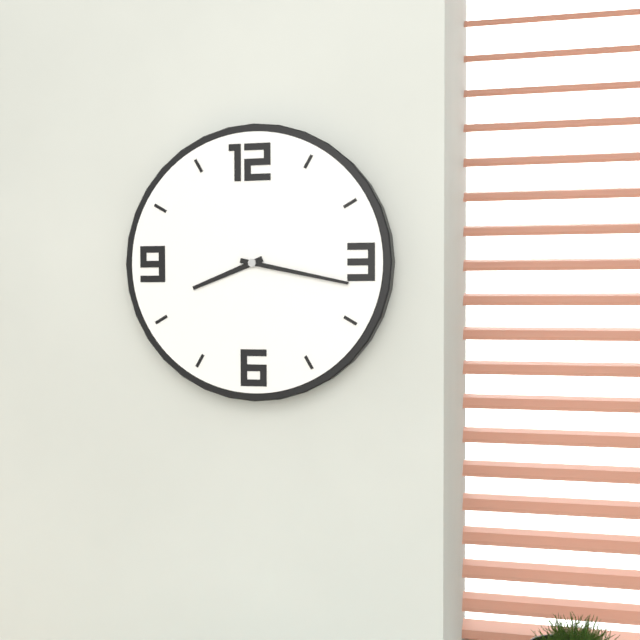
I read 8.17
